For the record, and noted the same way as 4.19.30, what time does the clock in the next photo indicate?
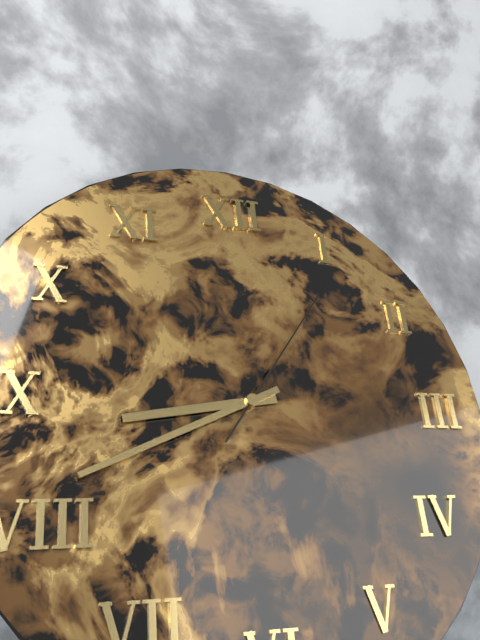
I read 8.41.06
